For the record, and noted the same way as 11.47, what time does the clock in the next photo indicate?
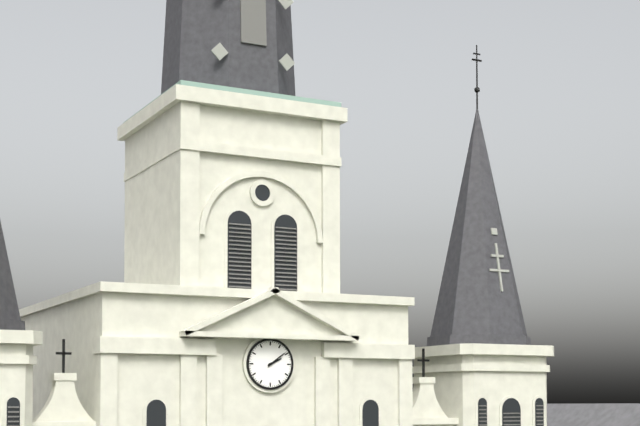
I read 2.09
